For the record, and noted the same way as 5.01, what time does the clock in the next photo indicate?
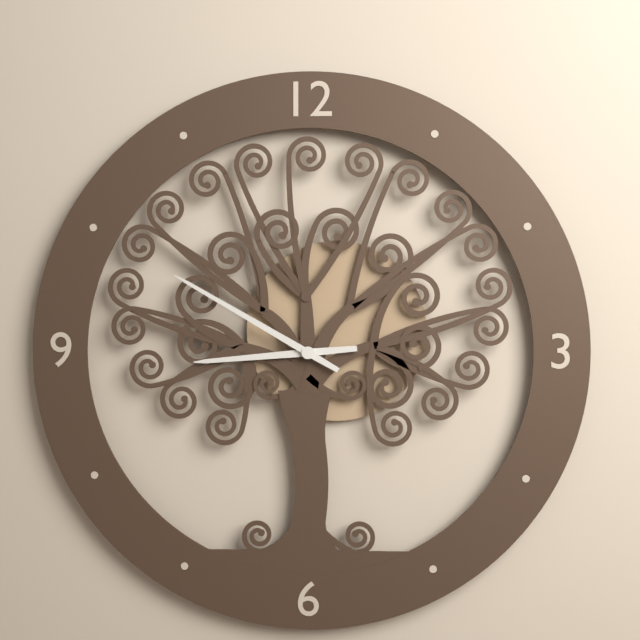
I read 8.50
